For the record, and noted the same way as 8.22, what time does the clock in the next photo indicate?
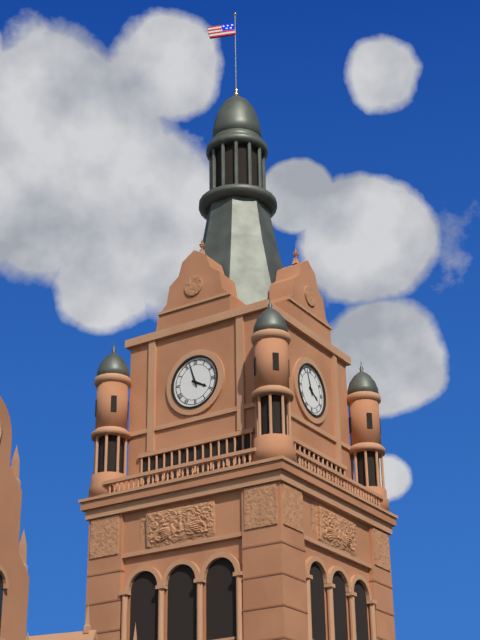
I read 3.57
